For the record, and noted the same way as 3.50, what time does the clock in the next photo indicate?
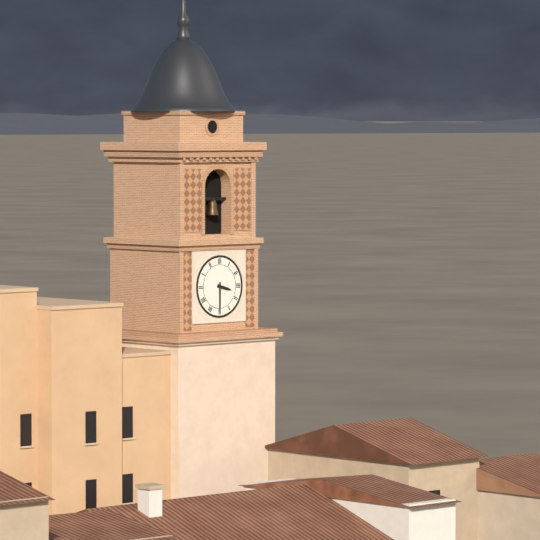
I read 3.30
